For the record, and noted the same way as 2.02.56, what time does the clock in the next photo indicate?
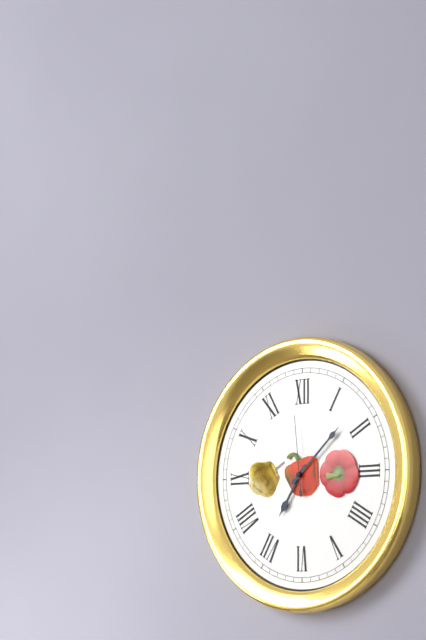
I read 7.08.59
